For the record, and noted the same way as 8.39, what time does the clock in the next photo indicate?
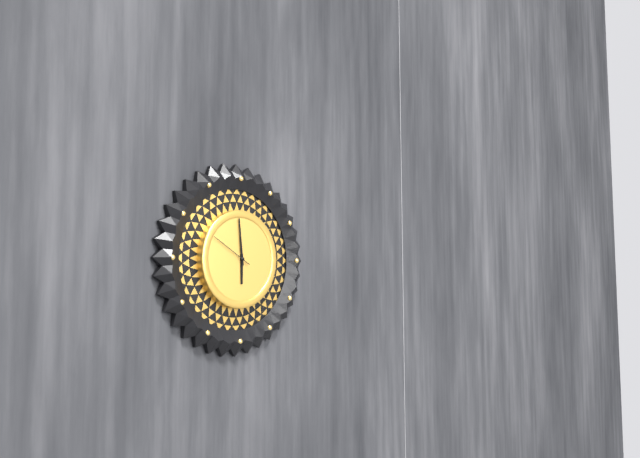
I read 5.59
